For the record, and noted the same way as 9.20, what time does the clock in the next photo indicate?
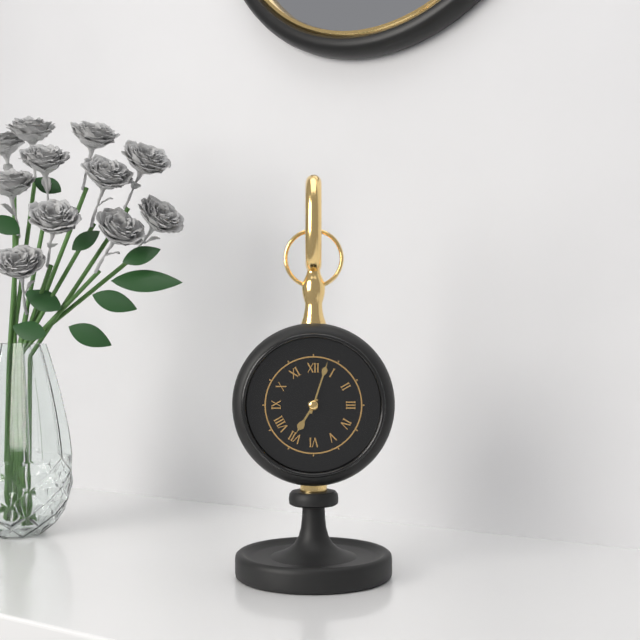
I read 7.03
